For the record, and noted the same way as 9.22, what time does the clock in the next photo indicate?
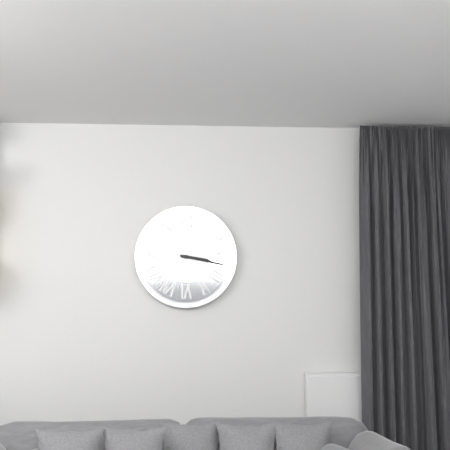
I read 3.17
